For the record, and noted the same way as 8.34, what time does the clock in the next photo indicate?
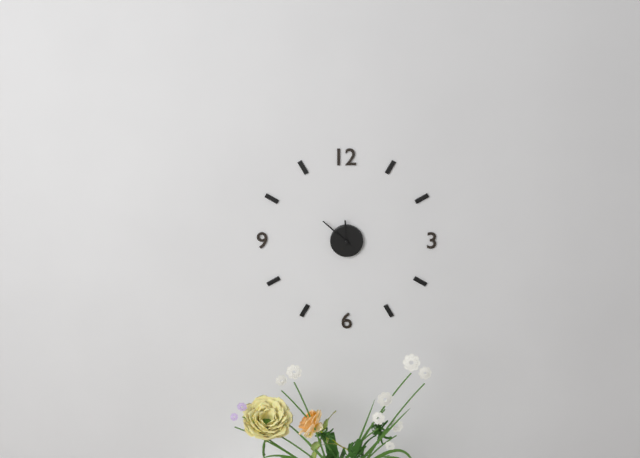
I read 11.52
